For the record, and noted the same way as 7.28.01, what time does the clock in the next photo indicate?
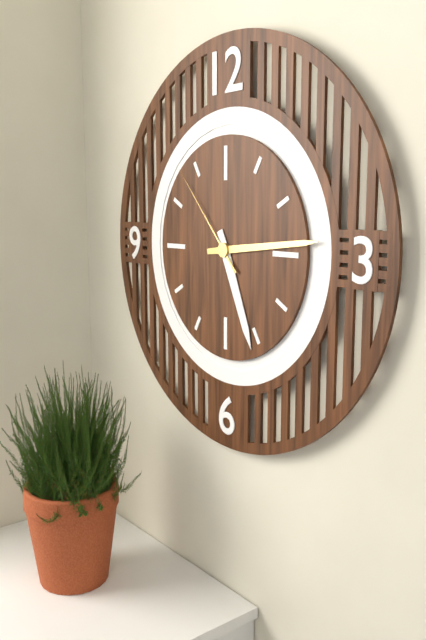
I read 5.14.53
